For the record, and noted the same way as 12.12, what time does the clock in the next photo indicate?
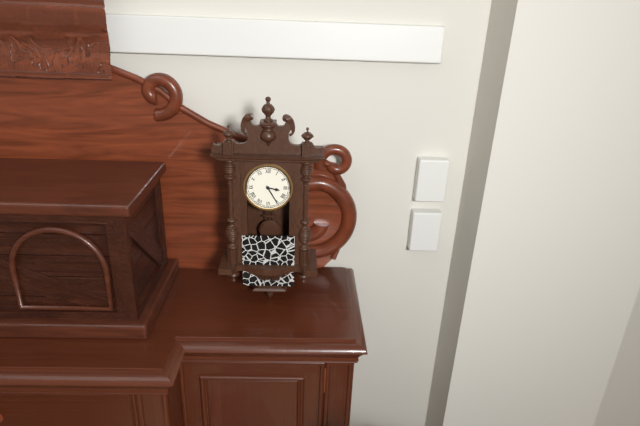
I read 3.25
